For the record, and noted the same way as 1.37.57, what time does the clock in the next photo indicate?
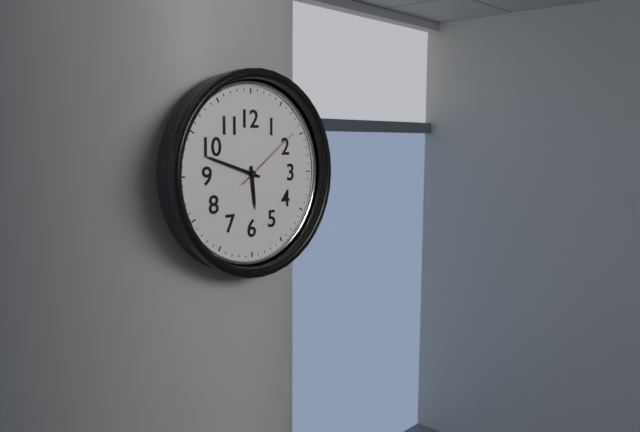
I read 5.48.09
